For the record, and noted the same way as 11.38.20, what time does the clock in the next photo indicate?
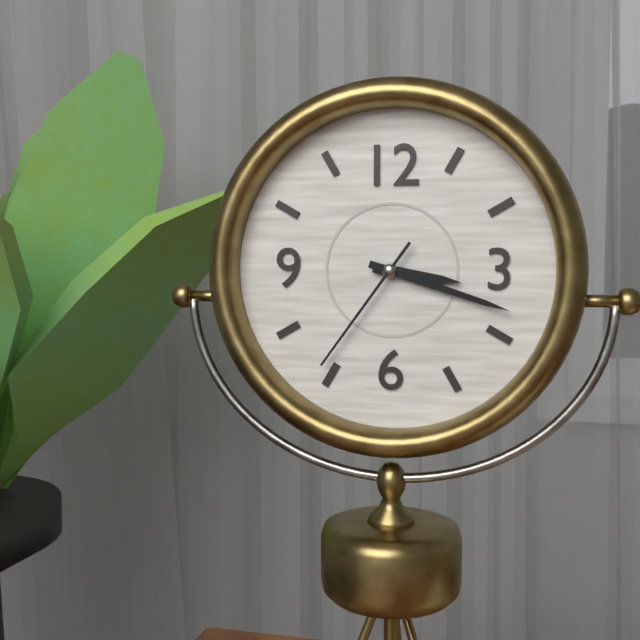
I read 3.18.36
